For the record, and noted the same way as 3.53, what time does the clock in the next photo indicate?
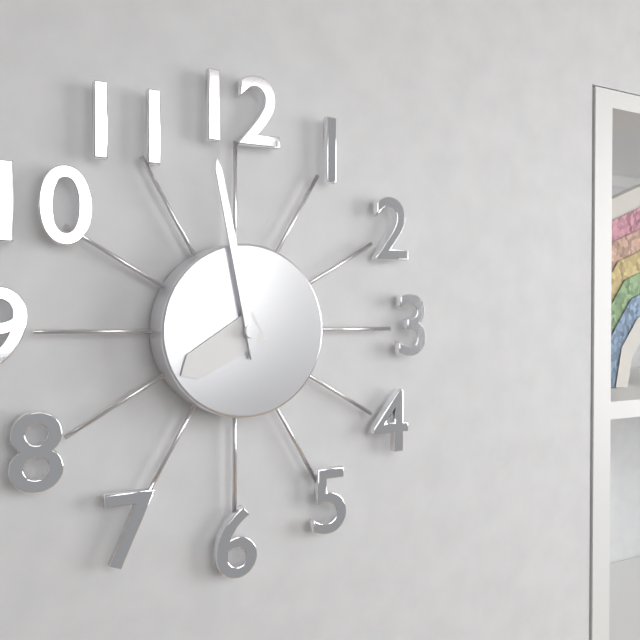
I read 7.58
